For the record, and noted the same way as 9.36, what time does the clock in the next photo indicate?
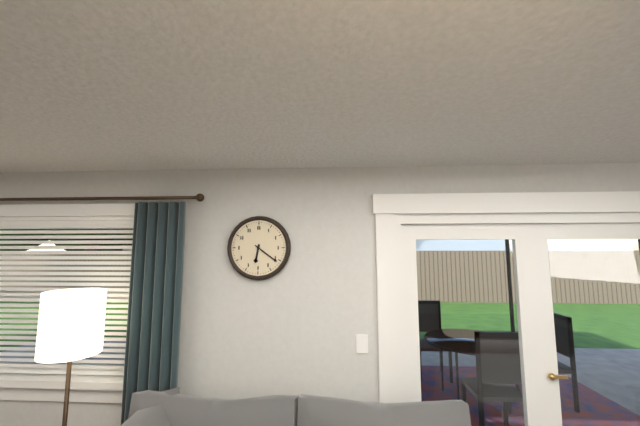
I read 6.21
